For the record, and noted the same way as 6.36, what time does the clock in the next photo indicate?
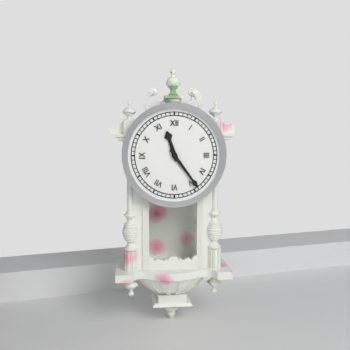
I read 11.24
